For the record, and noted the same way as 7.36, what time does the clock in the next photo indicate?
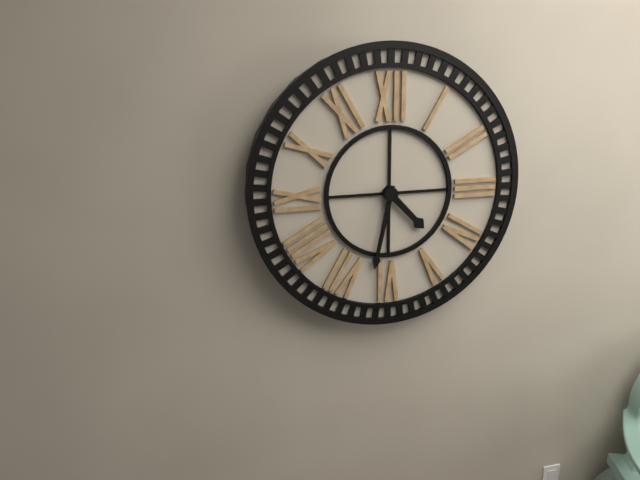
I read 4.32
